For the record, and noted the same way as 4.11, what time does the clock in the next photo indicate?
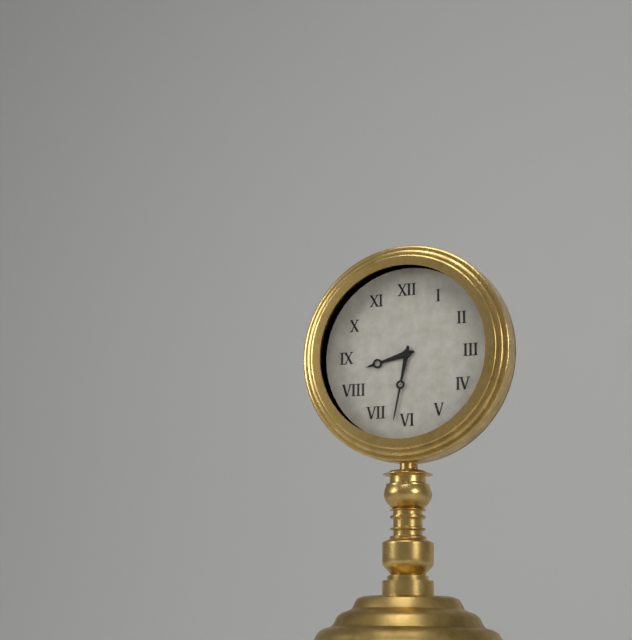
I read 8.32
